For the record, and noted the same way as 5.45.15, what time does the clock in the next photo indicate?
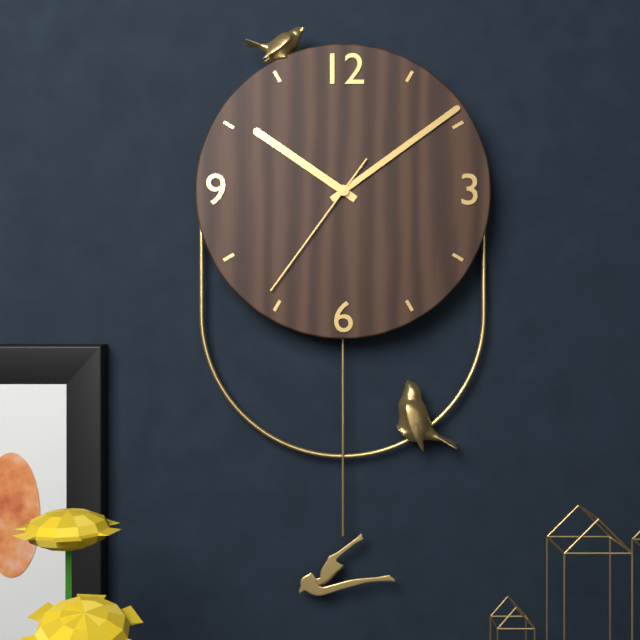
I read 10.09.36
